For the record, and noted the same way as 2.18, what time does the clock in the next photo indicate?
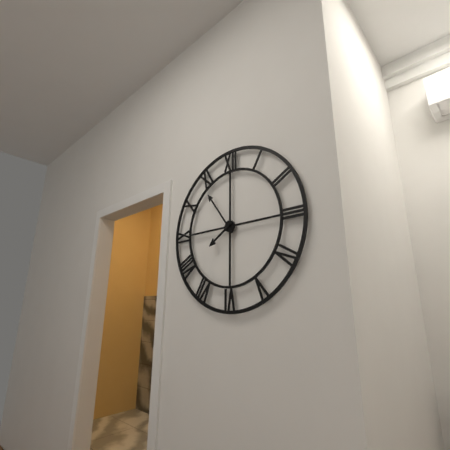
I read 7.54
